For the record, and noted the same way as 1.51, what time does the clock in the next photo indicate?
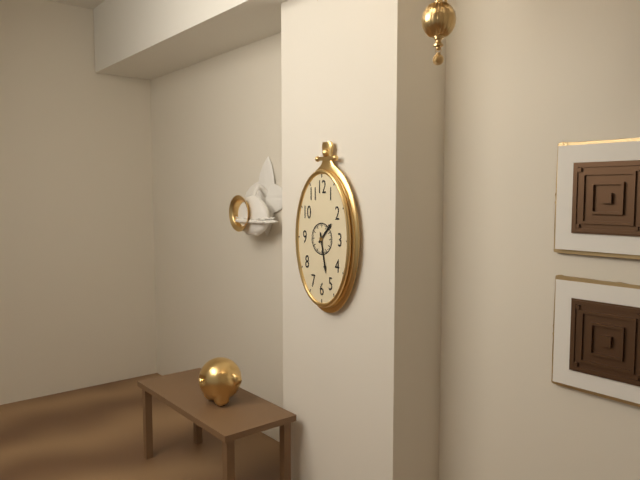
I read 1.28
